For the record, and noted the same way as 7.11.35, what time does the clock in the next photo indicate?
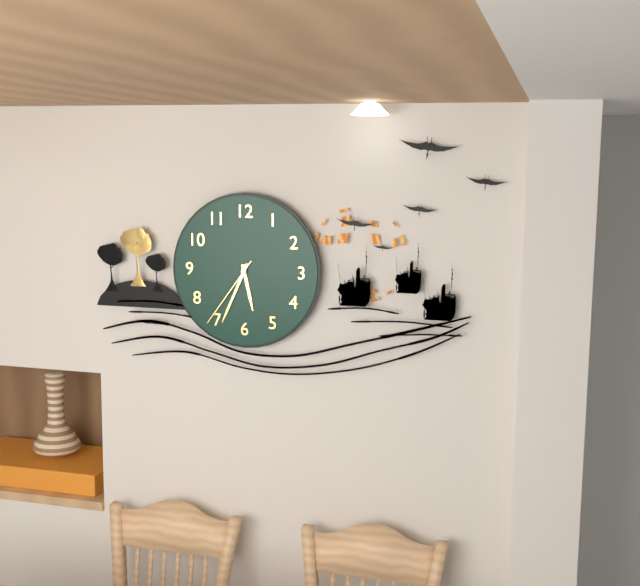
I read 5.34.36
